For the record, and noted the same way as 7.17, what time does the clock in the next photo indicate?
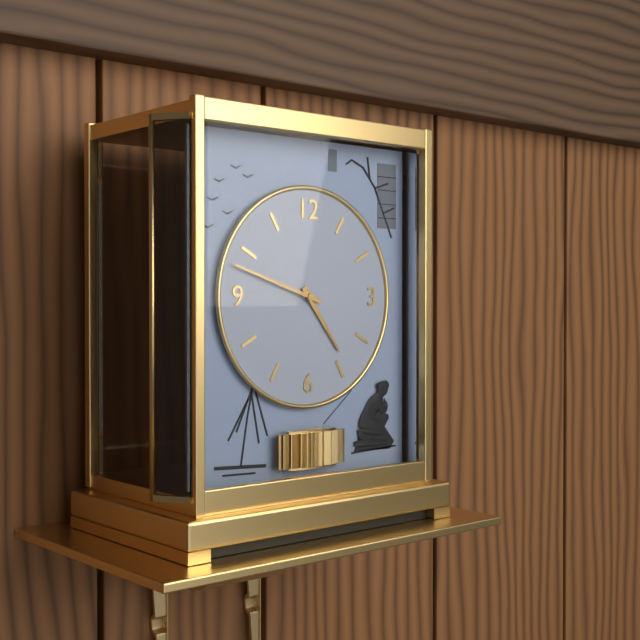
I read 4.48
